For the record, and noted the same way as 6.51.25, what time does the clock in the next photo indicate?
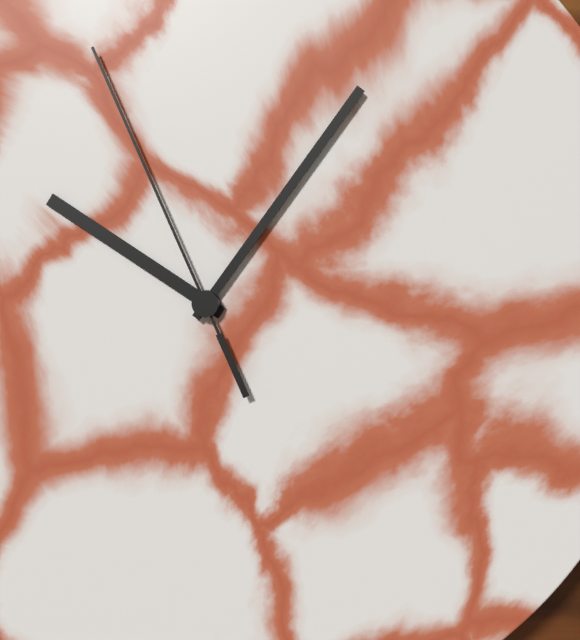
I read 10.06.56
